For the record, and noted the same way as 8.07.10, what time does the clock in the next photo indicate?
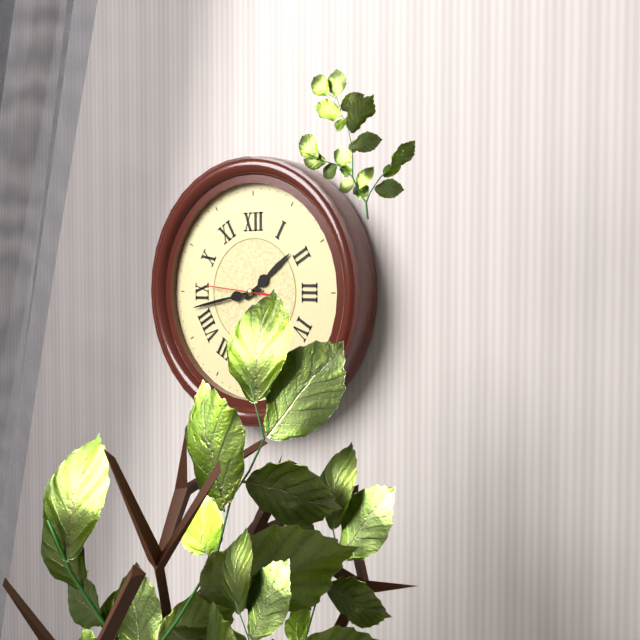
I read 1.43.46
